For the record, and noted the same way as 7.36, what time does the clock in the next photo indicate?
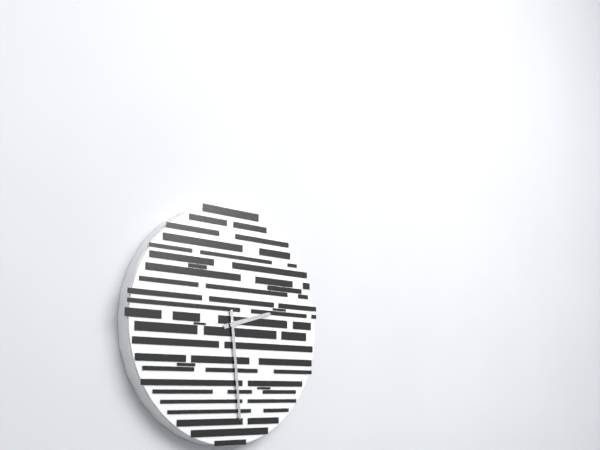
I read 2.29
